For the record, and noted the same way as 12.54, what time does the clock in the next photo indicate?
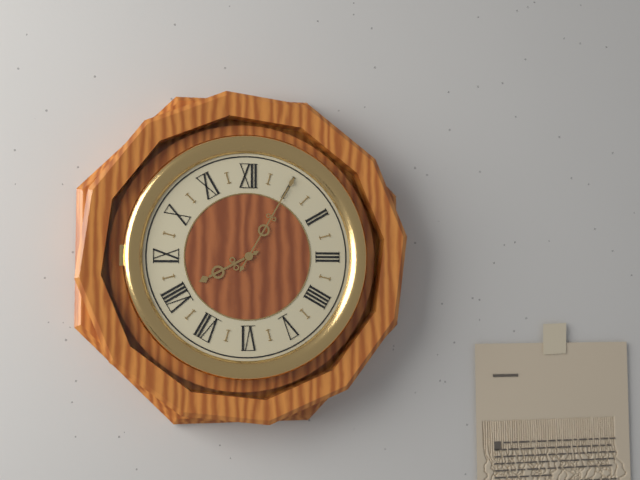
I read 8.05
